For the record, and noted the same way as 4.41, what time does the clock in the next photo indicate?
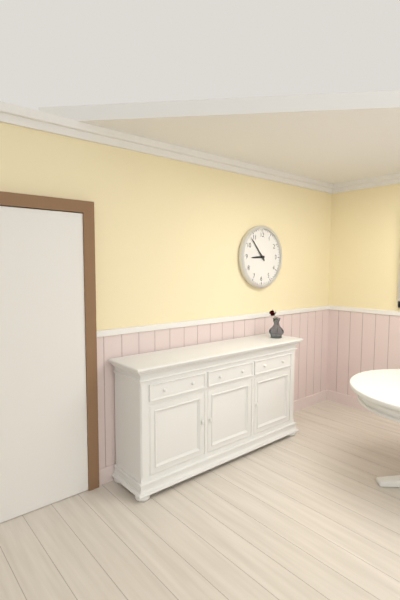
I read 8.53
